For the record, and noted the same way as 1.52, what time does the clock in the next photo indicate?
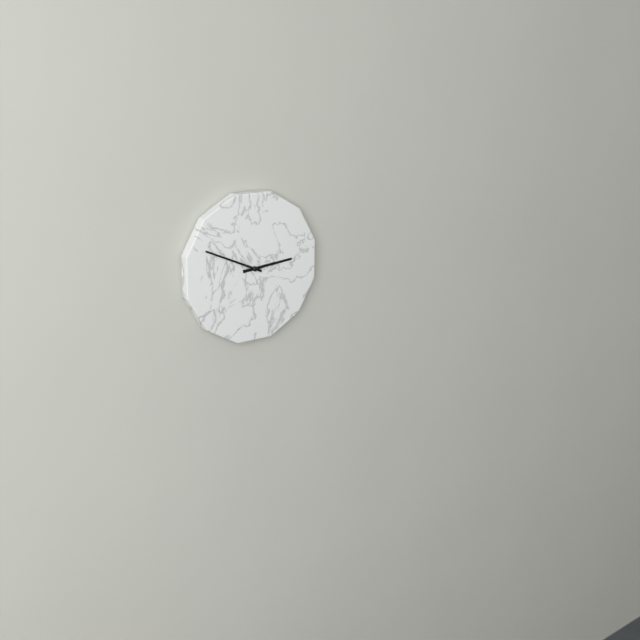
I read 2.49
